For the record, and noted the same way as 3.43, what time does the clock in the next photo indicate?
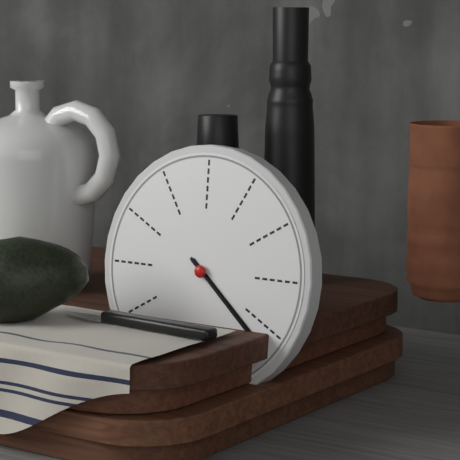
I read 4.22
